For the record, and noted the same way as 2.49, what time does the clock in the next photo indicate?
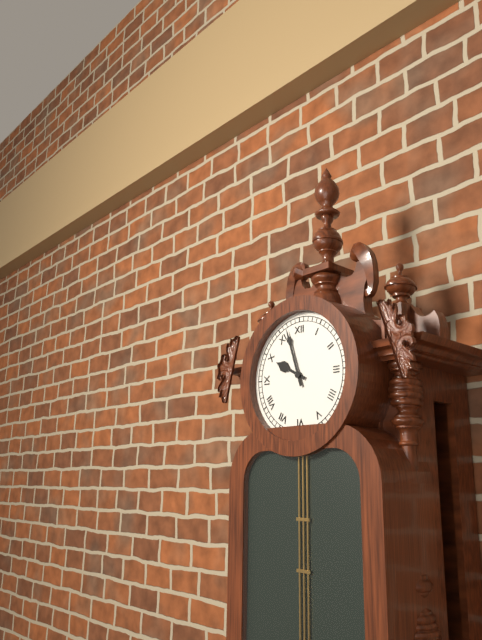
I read 9.57
